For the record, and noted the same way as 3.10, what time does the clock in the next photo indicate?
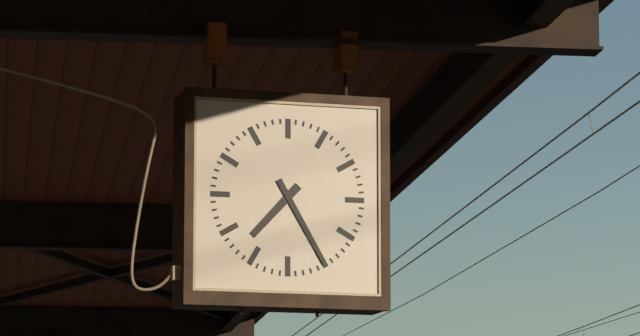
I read 7.25
